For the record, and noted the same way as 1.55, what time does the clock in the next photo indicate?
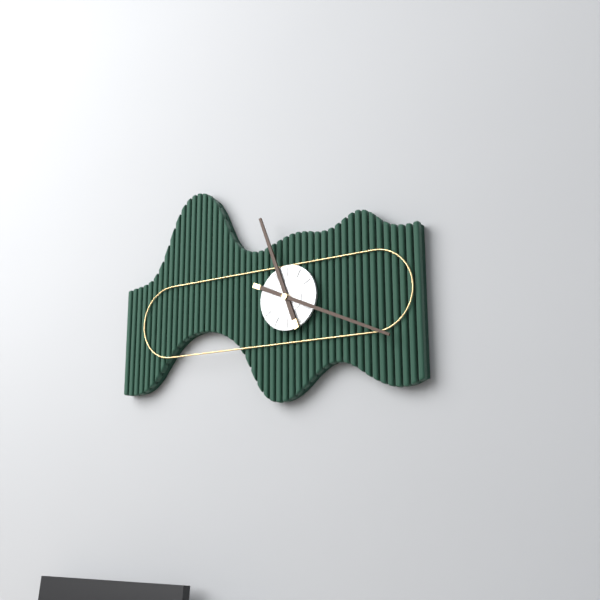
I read 11.19
